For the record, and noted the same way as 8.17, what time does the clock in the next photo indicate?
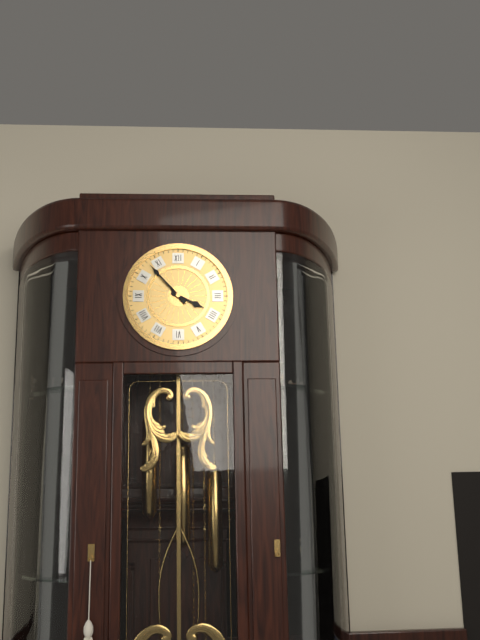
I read 3.53
